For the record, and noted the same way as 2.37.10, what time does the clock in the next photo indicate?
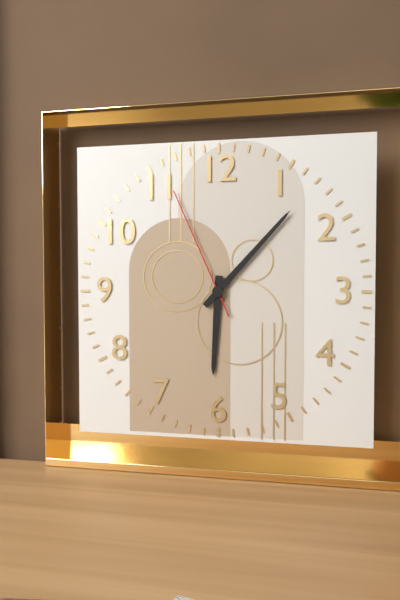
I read 6.07.56
